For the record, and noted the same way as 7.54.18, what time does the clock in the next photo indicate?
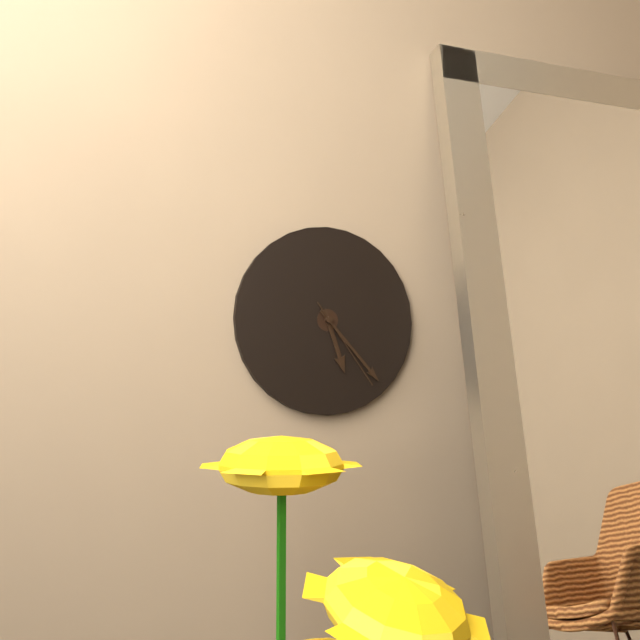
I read 5.23.24
